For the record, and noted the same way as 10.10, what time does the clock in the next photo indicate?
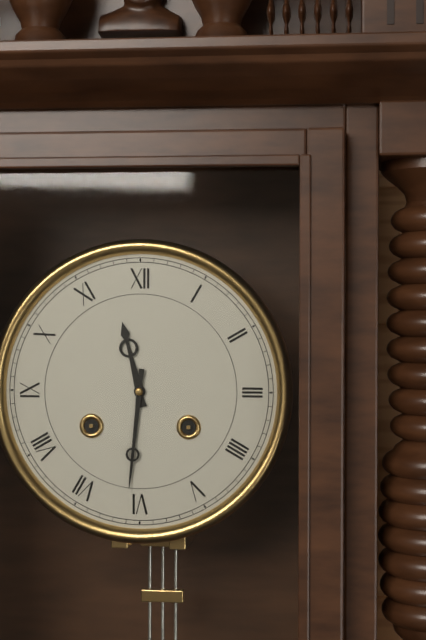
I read 11.31
